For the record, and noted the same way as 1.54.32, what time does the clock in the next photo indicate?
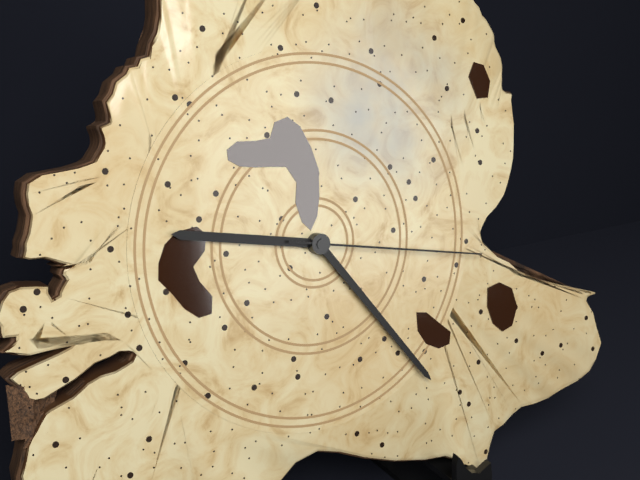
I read 9.24.17
